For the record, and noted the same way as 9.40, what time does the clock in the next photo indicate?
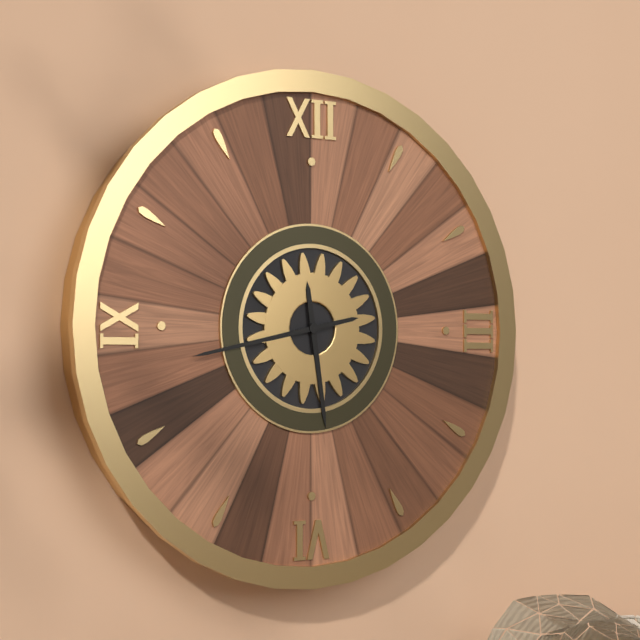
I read 5.43
